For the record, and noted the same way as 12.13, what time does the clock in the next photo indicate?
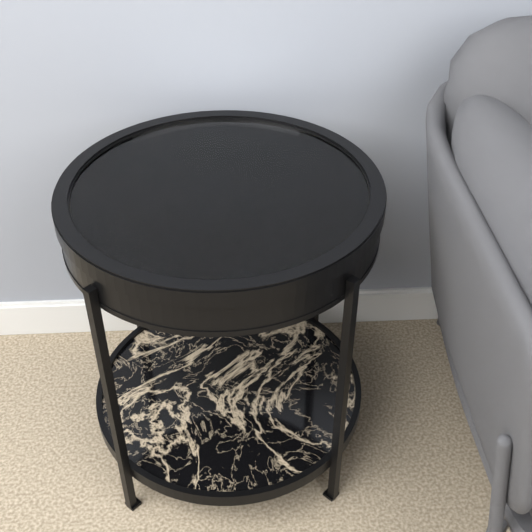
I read 8.36
